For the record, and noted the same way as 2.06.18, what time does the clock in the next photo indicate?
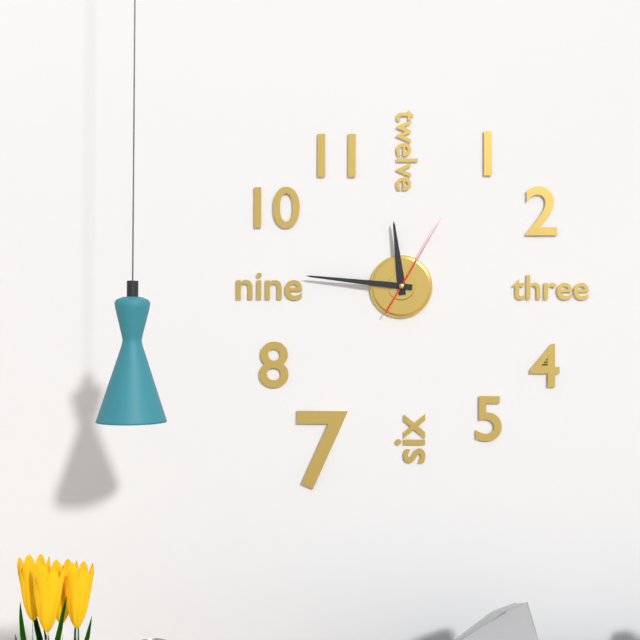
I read 11.46.05
